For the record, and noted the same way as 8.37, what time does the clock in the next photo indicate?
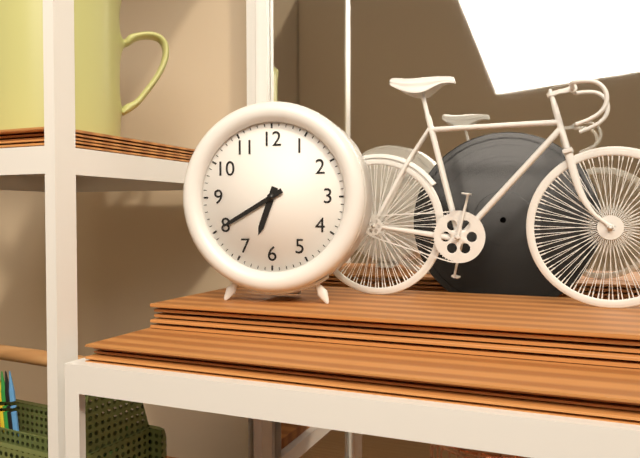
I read 6.40
